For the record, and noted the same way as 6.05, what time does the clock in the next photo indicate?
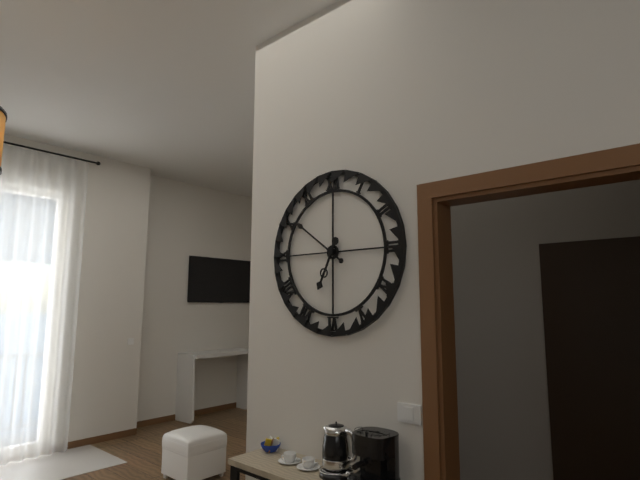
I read 6.51
